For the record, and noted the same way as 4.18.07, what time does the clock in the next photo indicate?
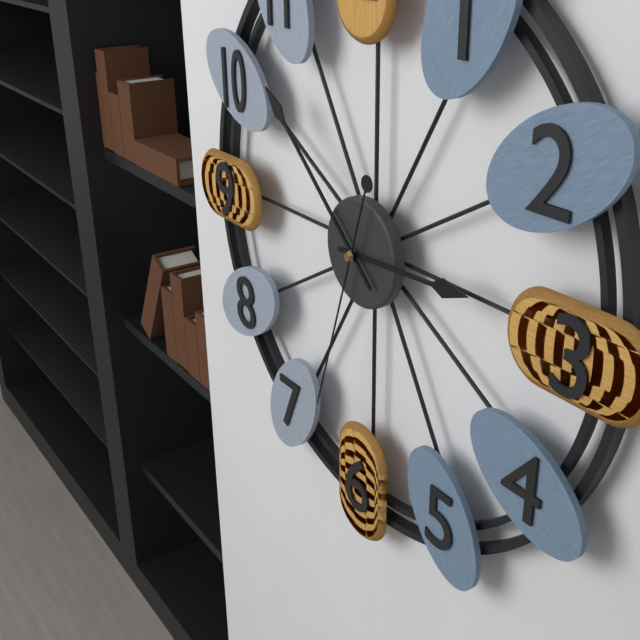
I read 2.52.33
